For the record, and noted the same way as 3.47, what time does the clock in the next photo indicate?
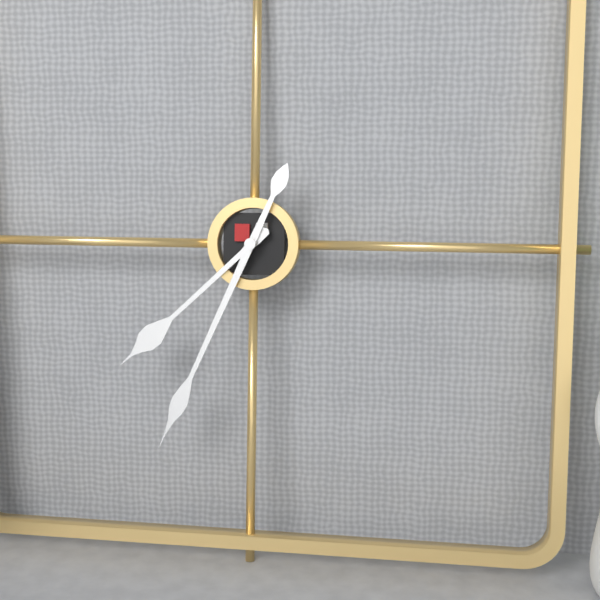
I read 7.34
